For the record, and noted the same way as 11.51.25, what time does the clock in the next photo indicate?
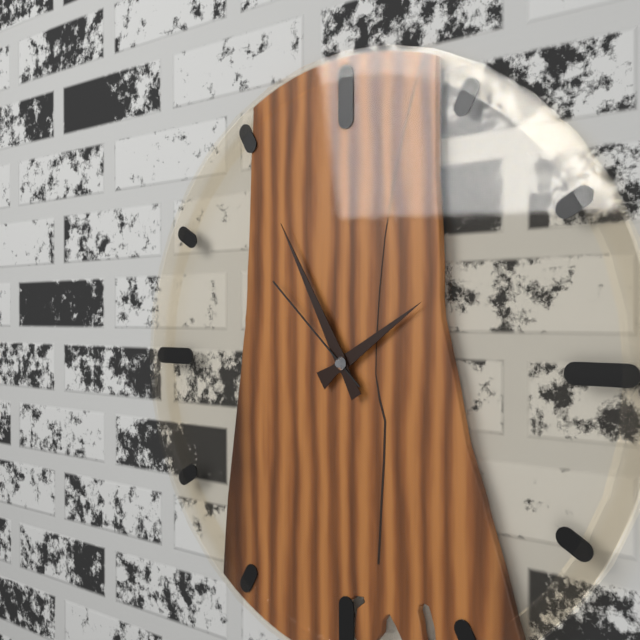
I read 1.55.52
